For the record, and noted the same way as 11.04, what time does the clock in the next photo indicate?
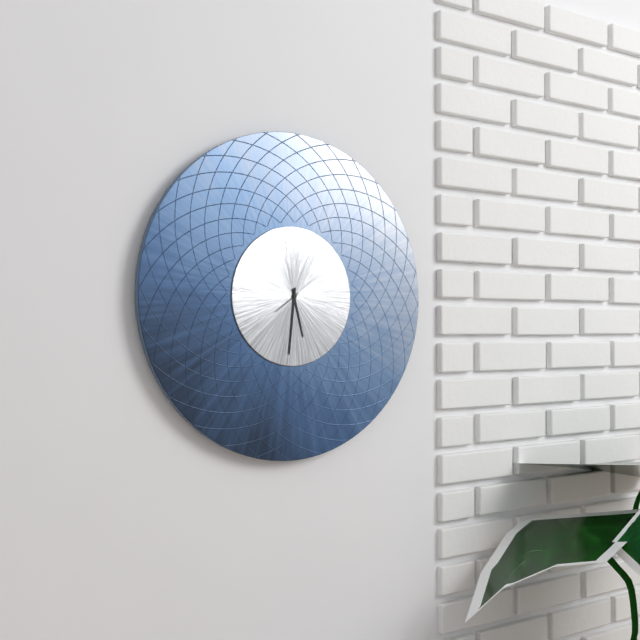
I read 5.31
